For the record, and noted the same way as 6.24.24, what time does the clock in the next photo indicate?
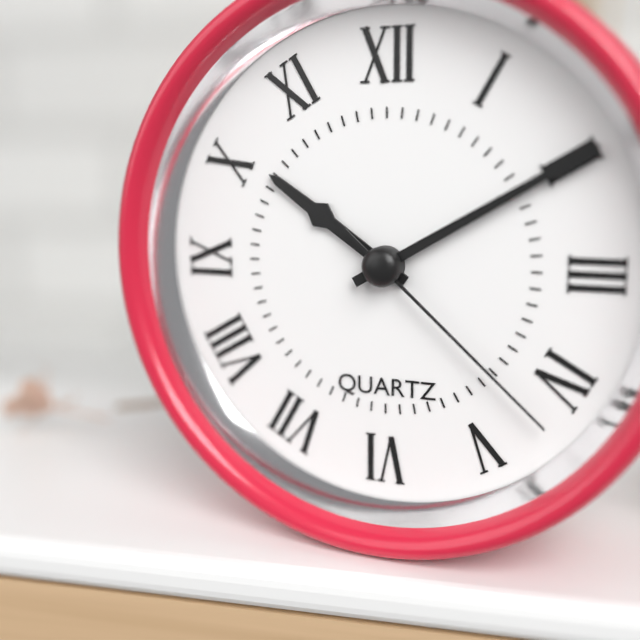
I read 10.10.22
